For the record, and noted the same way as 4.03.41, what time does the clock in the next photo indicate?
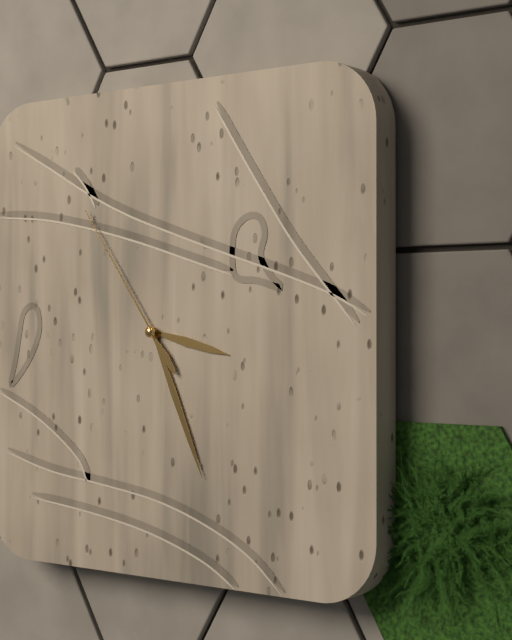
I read 3.26.54
